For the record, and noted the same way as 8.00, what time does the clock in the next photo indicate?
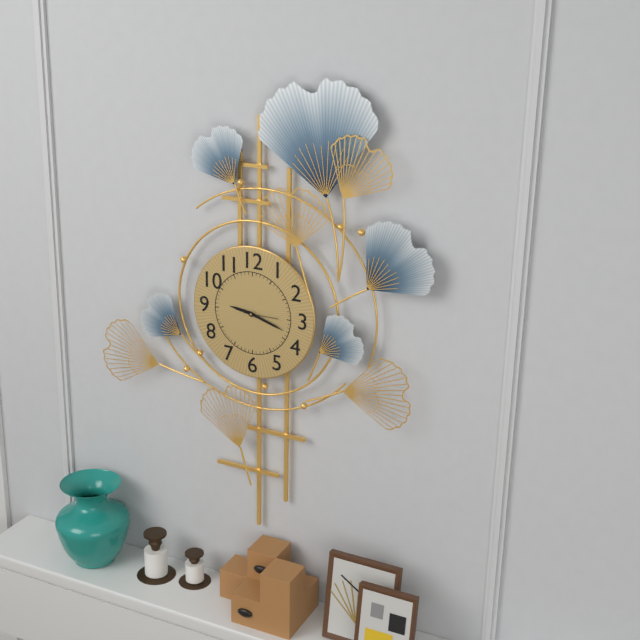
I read 9.18
